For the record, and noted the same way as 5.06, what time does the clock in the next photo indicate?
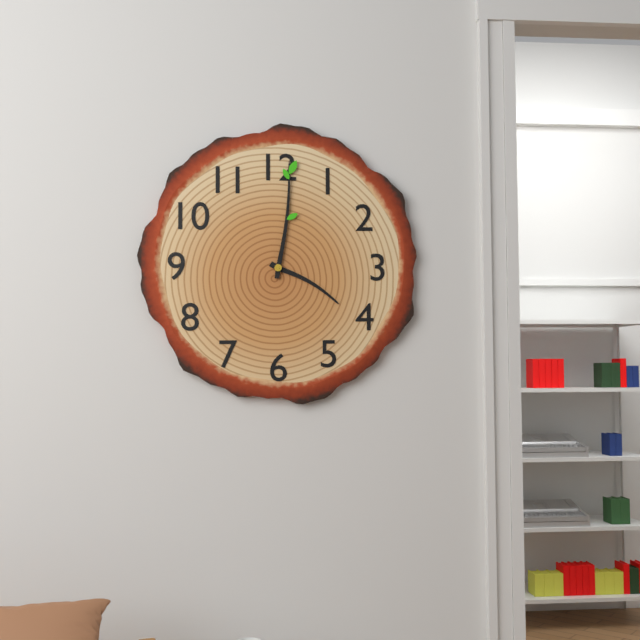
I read 4.01
